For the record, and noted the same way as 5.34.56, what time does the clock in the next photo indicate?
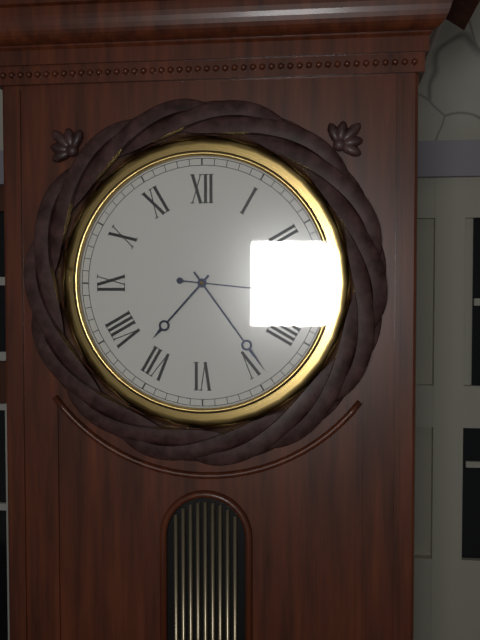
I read 7.24.16
